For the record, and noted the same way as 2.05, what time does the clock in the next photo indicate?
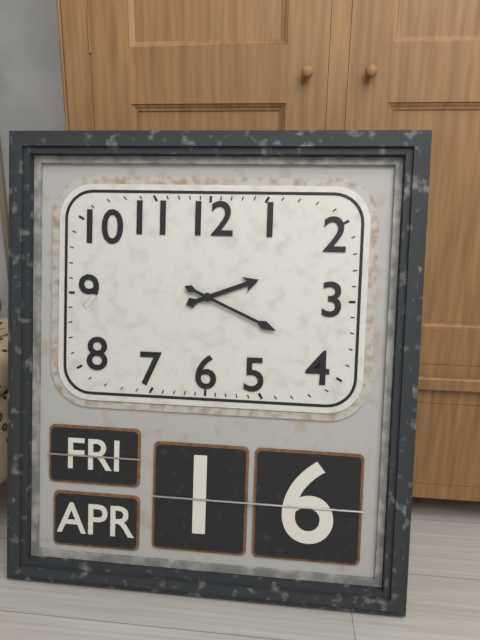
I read 2.19
